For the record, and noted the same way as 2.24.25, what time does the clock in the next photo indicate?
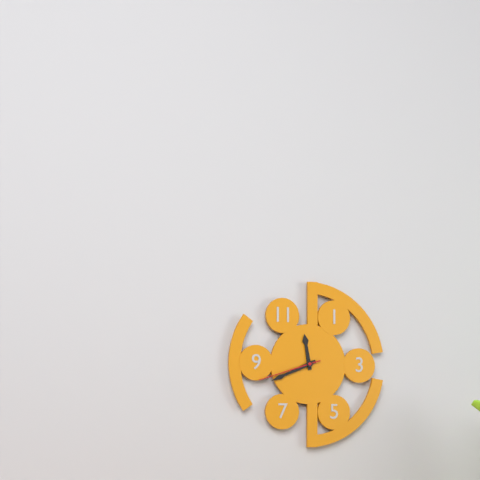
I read 11.41.42
